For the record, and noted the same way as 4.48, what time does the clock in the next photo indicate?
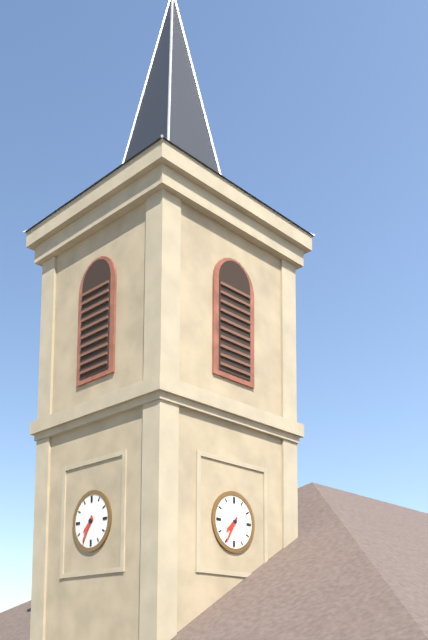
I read 7.35
